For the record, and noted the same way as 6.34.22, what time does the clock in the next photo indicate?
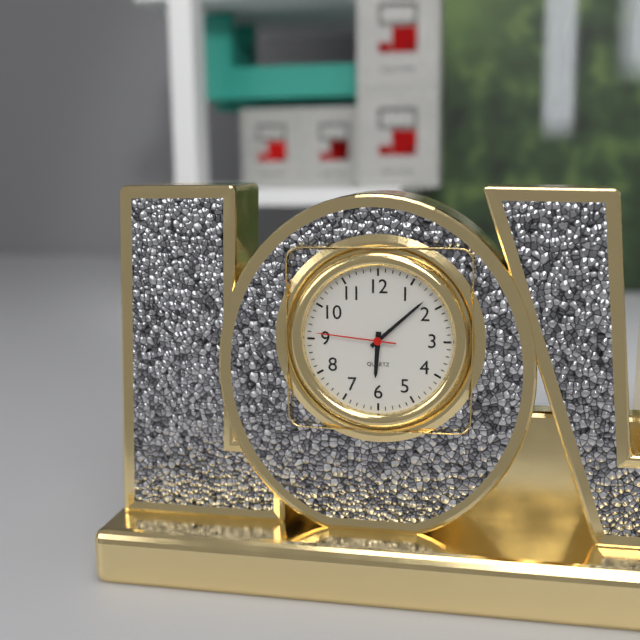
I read 6.08.46
